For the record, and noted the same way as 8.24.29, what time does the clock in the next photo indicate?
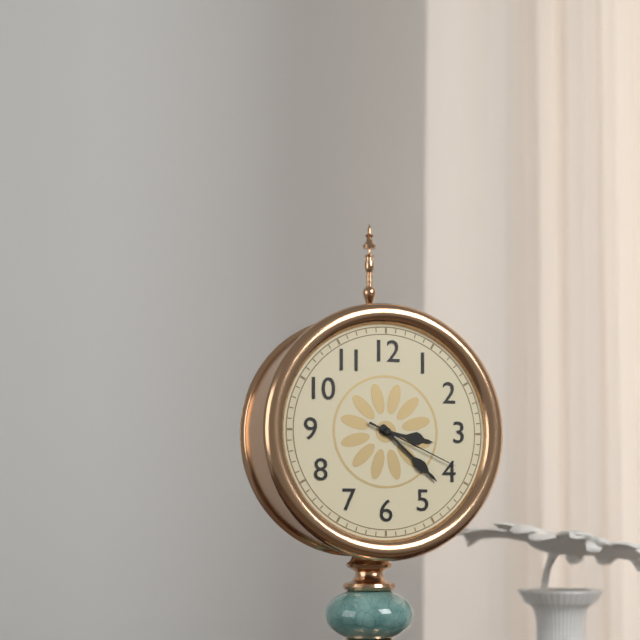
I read 3.22.19
